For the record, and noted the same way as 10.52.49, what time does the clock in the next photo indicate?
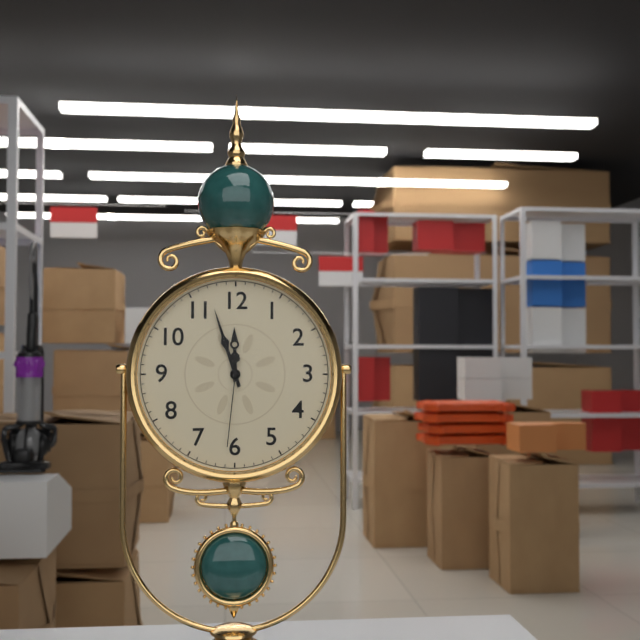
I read 11.57.31
